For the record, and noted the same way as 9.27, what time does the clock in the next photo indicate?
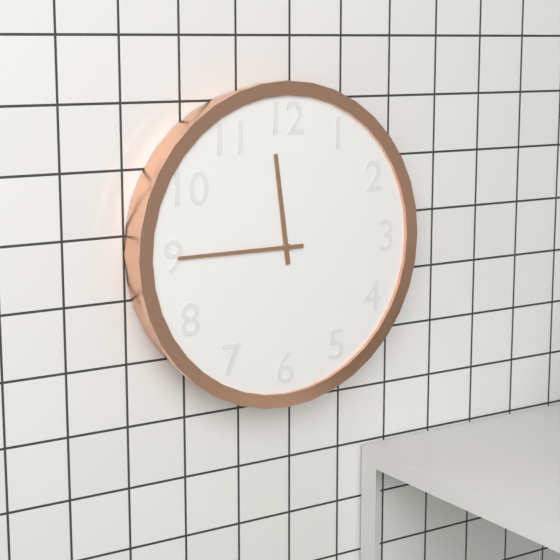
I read 11.45
